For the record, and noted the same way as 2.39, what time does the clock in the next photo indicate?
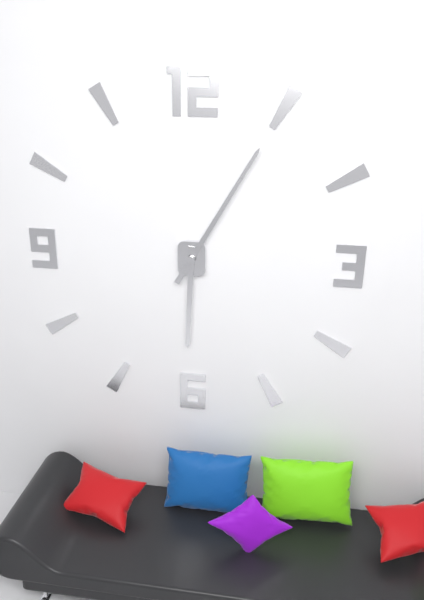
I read 6.05
